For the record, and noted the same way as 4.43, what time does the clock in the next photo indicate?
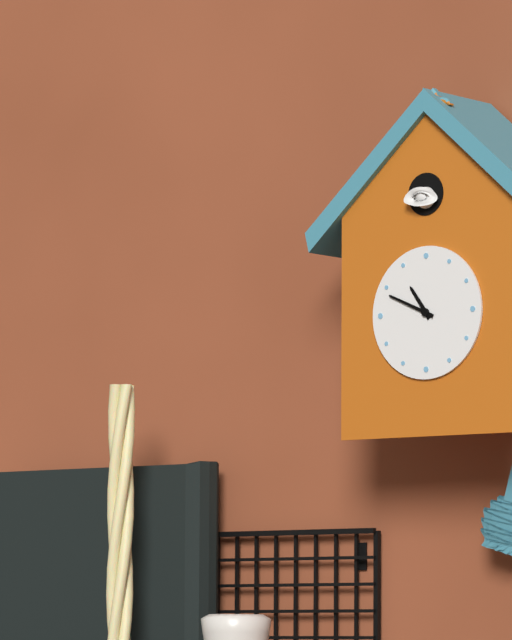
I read 10.49
